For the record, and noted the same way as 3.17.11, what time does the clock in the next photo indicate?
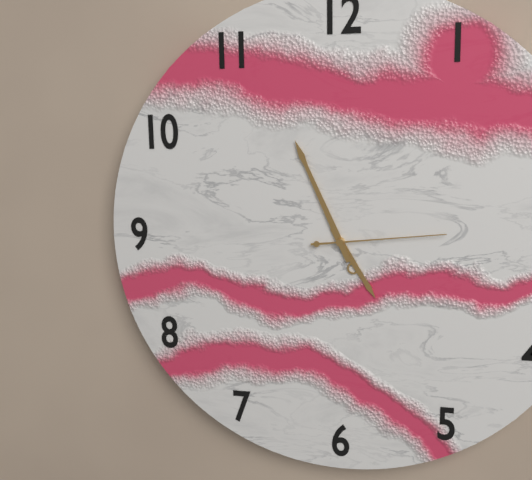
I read 4.56.14
